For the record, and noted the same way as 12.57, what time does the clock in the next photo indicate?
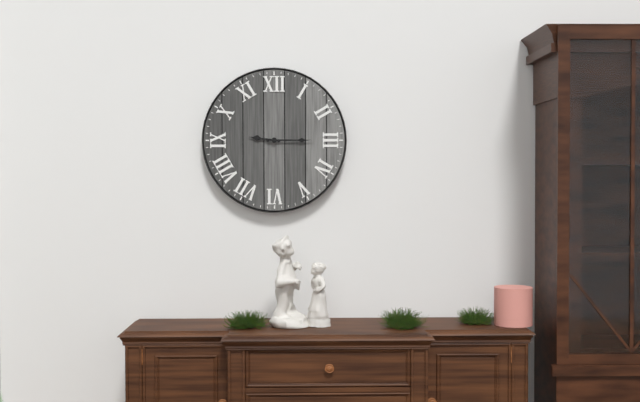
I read 9.15
